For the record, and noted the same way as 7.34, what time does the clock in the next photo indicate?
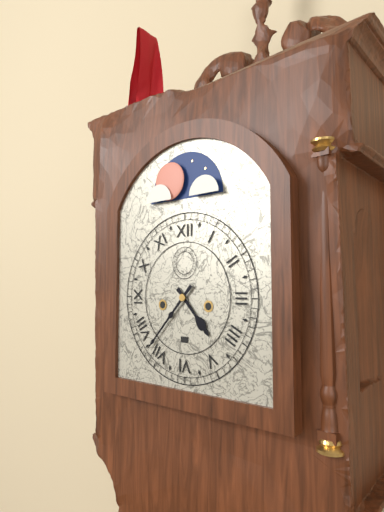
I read 4.37
